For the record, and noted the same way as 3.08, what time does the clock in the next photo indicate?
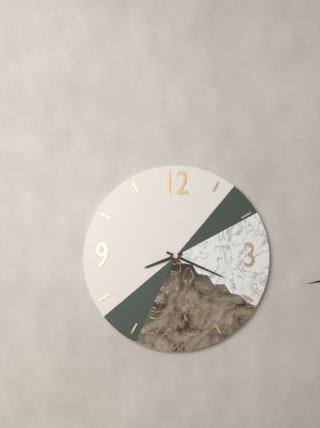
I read 8.19
